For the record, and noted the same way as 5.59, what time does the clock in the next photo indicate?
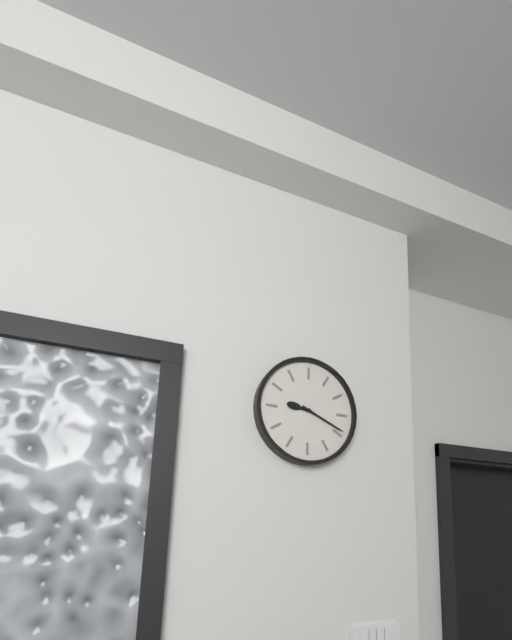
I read 9.19
